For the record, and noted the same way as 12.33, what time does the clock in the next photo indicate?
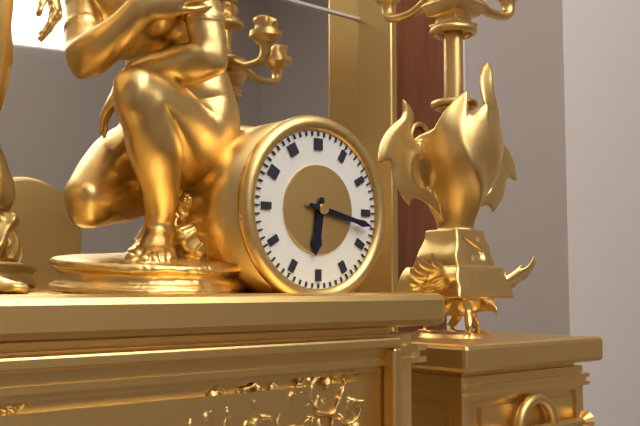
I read 6.17
